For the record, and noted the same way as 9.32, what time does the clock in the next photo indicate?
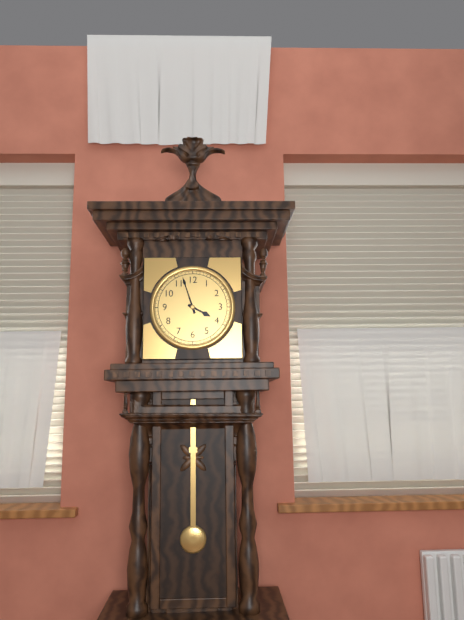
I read 3.57
